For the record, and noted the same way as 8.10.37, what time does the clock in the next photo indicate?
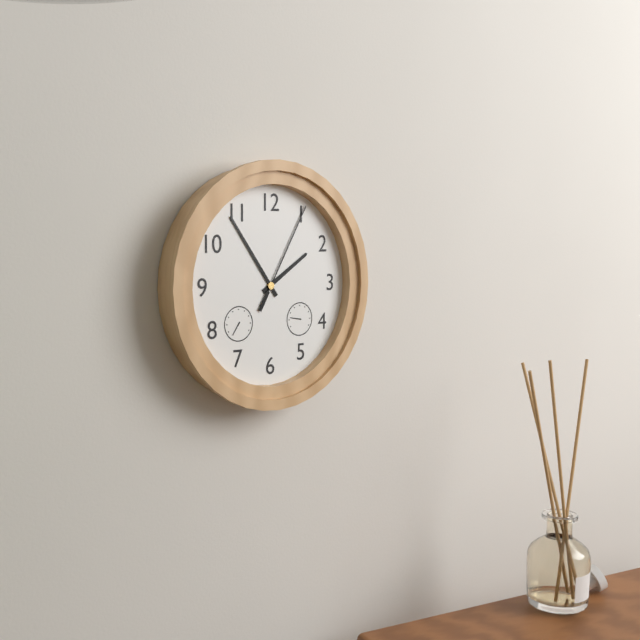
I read 1.54.05
